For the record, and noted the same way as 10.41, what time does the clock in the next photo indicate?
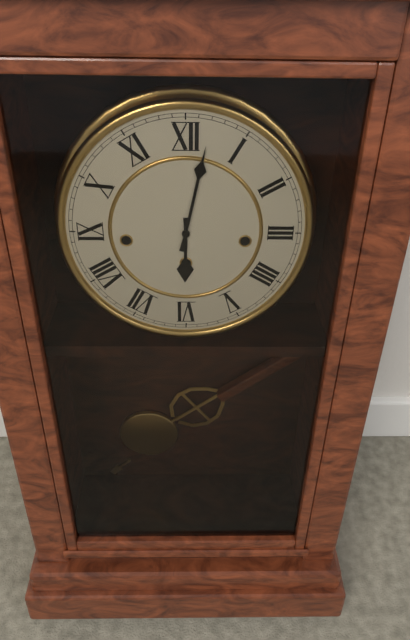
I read 6.02
